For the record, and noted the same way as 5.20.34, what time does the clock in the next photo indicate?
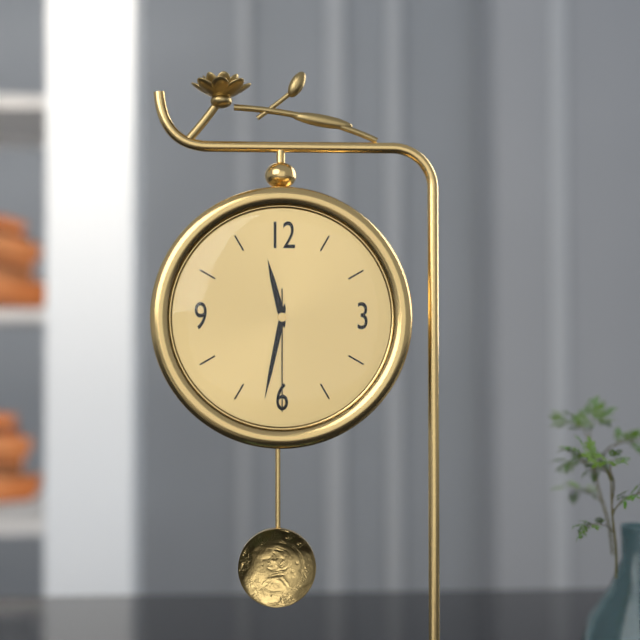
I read 11.32.30
